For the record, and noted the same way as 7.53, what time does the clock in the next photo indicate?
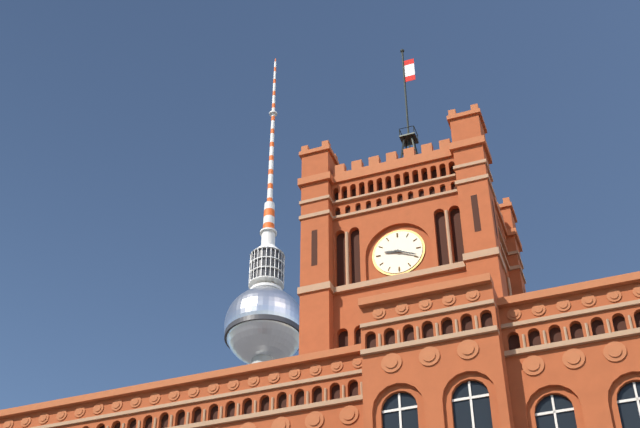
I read 9.19
